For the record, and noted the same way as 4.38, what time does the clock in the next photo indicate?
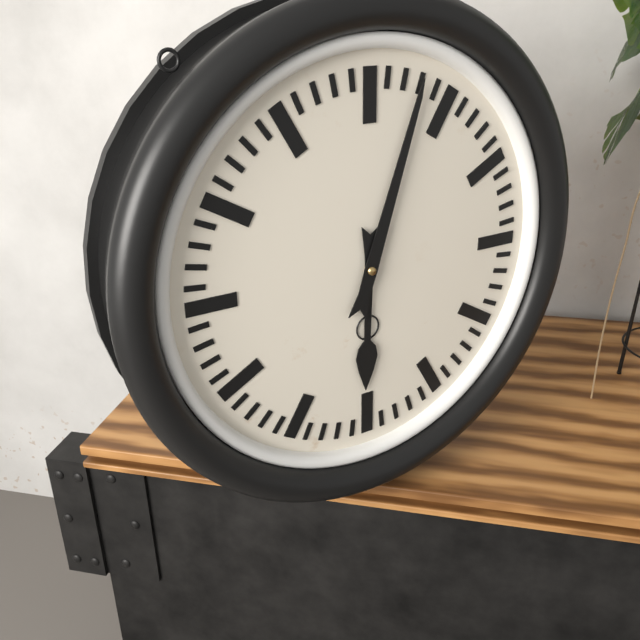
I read 6.03
